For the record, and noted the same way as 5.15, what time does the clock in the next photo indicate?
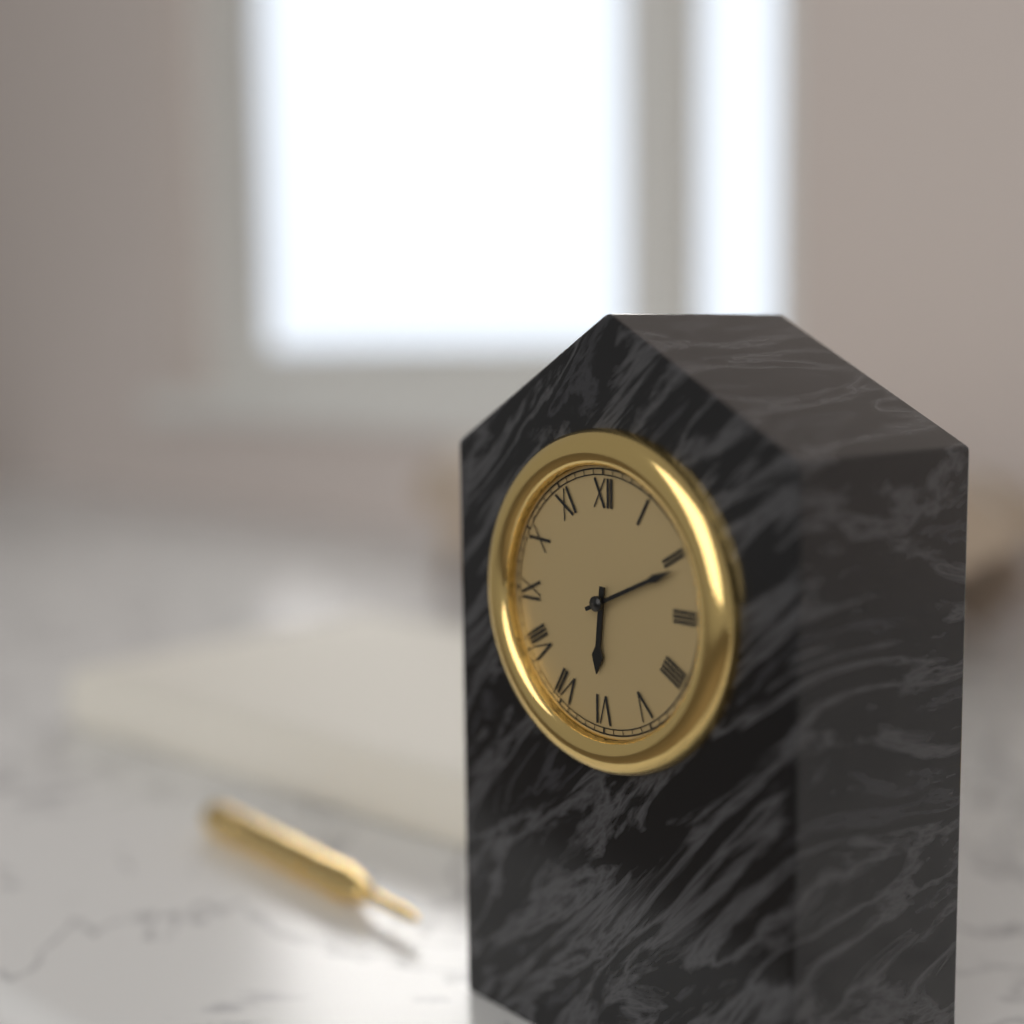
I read 6.11
